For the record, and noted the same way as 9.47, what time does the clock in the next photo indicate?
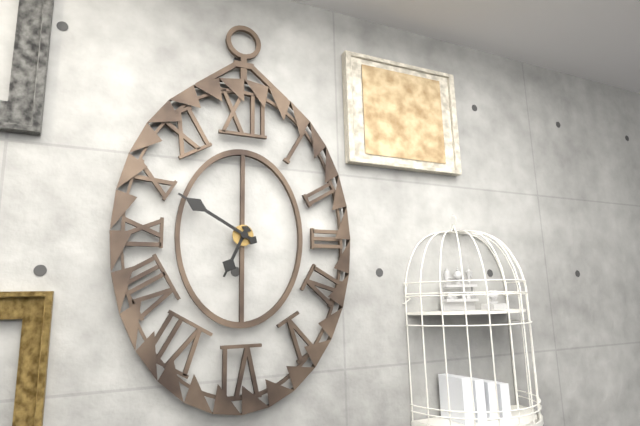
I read 6.50
